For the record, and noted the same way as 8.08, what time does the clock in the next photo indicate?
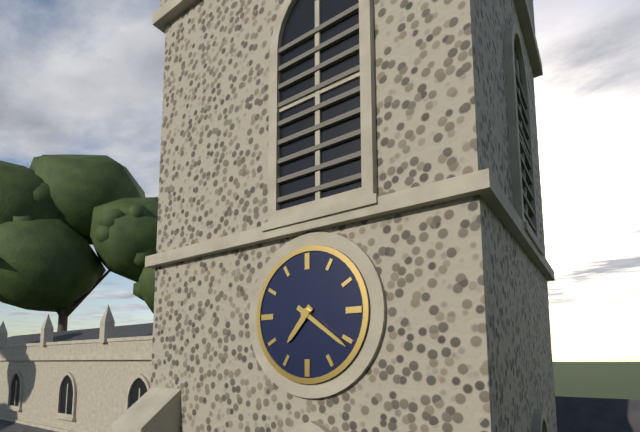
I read 7.21
